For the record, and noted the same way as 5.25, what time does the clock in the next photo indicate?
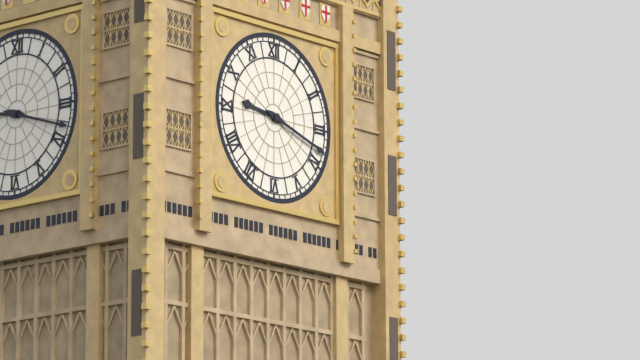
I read 9.18
